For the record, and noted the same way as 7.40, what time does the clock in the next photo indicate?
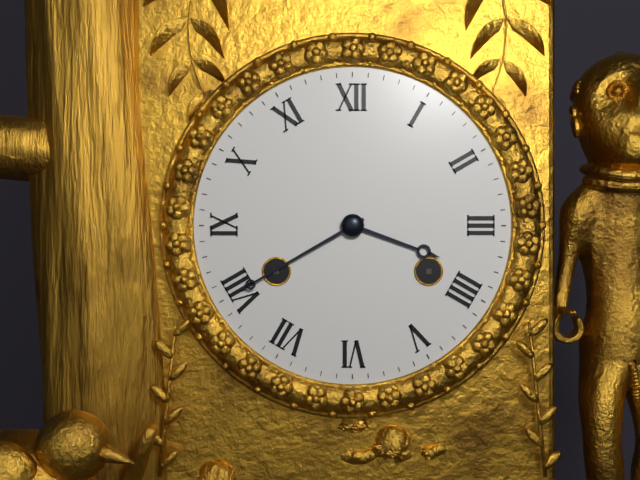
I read 3.40
